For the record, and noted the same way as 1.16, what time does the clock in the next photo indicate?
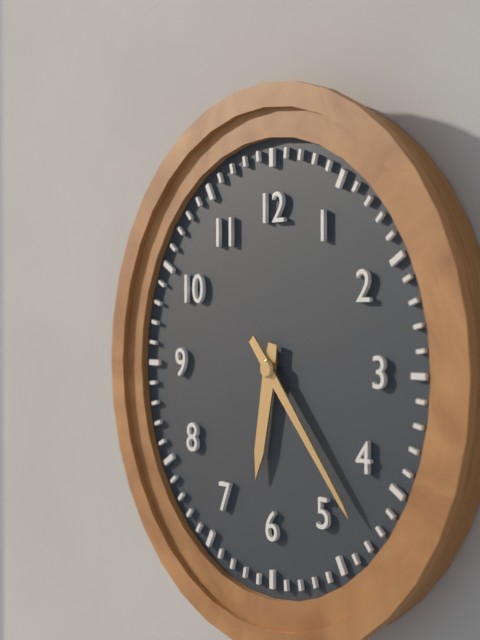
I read 6.23
